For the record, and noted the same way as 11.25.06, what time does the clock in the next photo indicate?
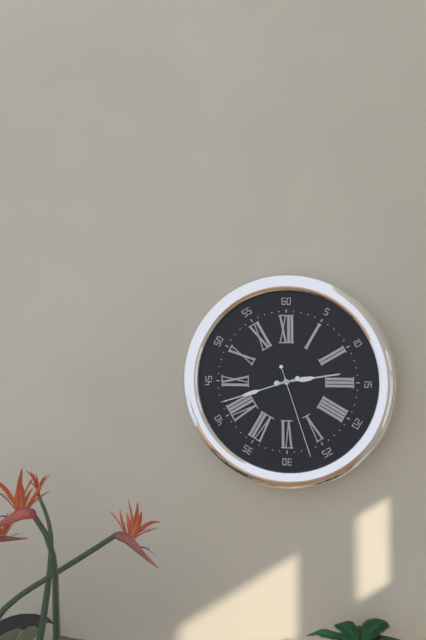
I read 2.42.27
